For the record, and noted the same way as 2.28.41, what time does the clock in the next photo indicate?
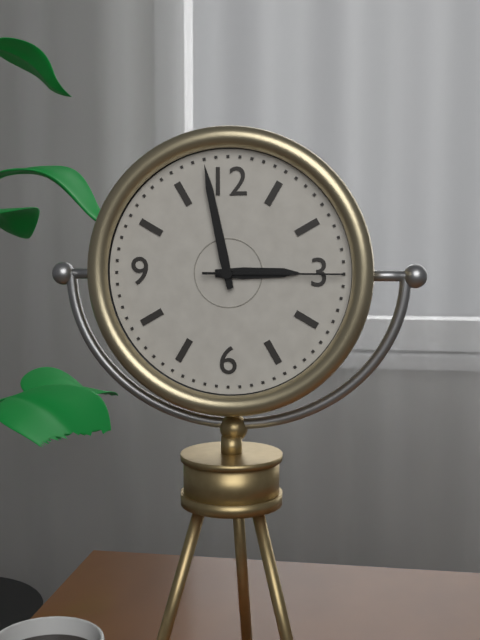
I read 2.58.15
